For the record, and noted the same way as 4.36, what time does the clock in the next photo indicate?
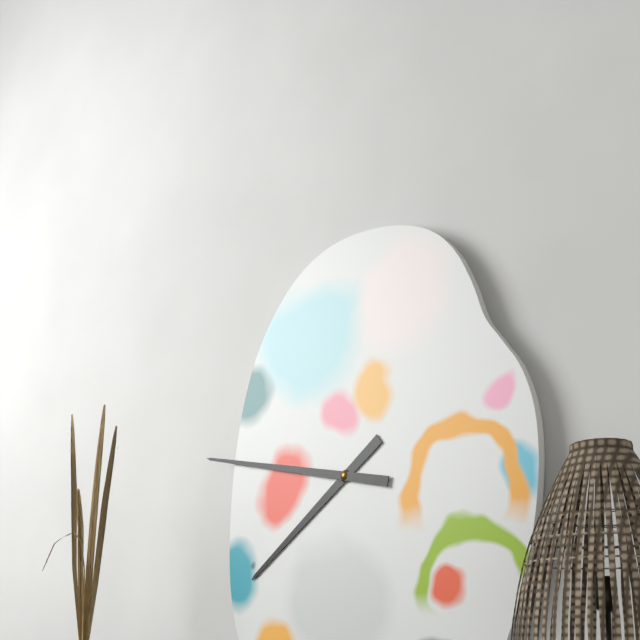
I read 7.47
